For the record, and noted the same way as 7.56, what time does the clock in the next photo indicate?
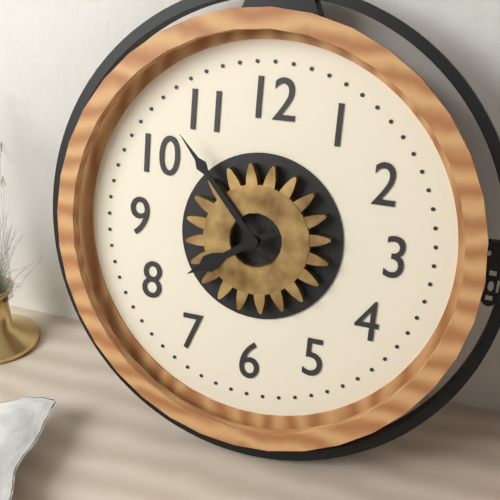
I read 7.53
